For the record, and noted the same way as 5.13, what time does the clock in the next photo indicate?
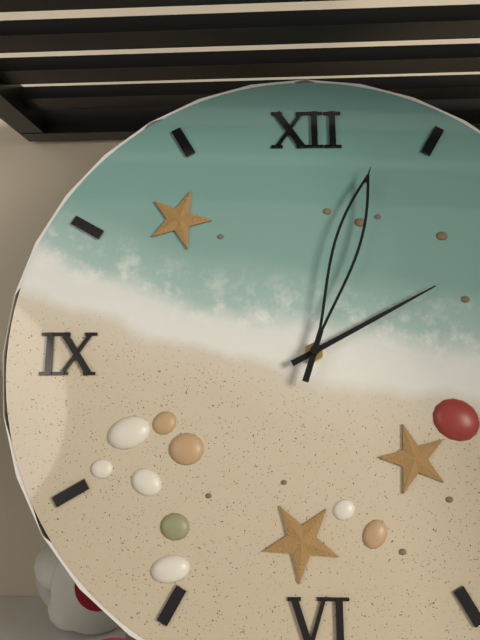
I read 2.03
